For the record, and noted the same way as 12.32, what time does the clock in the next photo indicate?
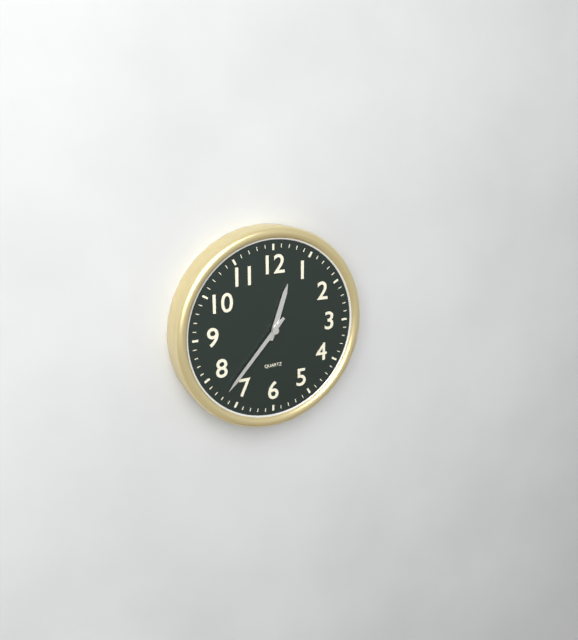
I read 12.37
